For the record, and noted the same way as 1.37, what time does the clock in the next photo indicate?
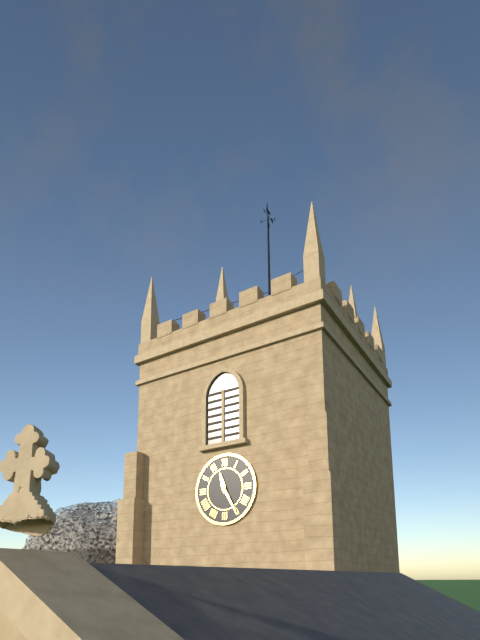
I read 11.25
